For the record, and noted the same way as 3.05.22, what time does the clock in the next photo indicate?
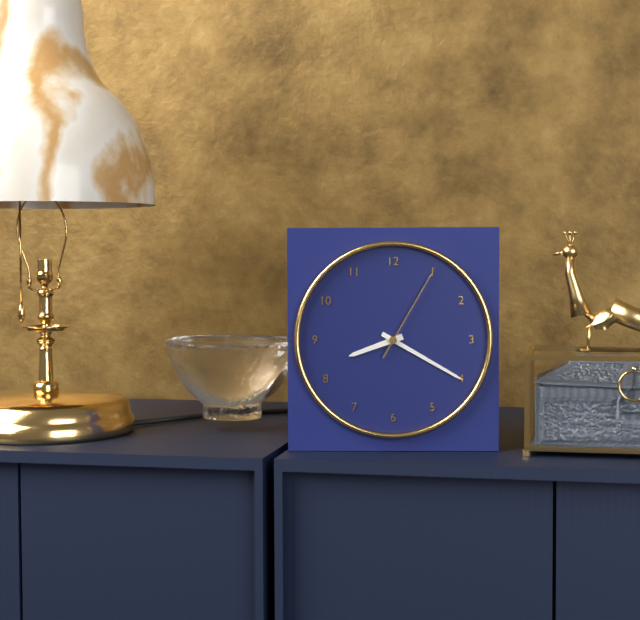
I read 8.20.05
